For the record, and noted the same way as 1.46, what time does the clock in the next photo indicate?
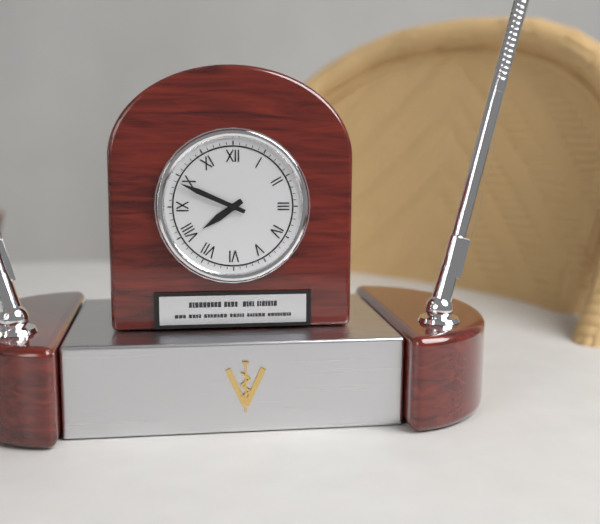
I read 7.49
